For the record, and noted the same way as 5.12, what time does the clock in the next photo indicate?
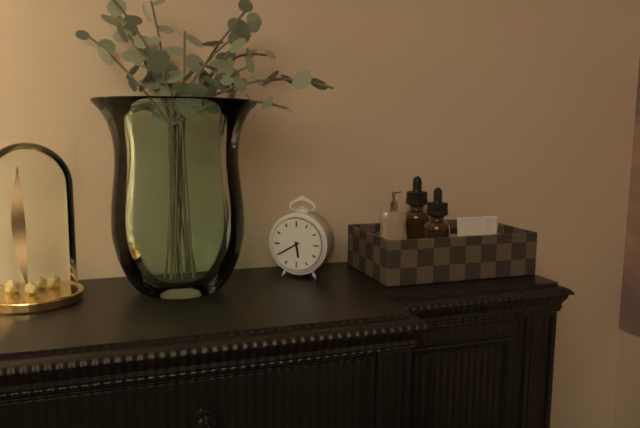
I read 5.40
